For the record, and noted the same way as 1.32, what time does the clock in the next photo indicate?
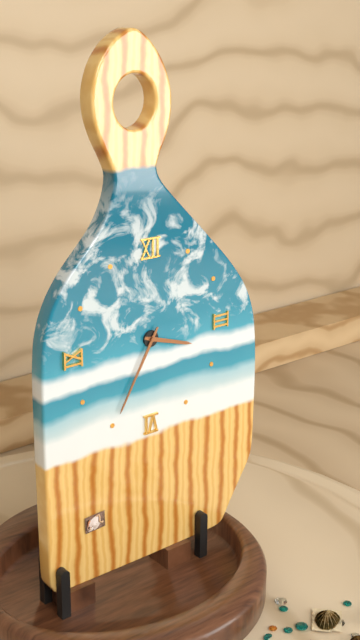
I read 3.35
